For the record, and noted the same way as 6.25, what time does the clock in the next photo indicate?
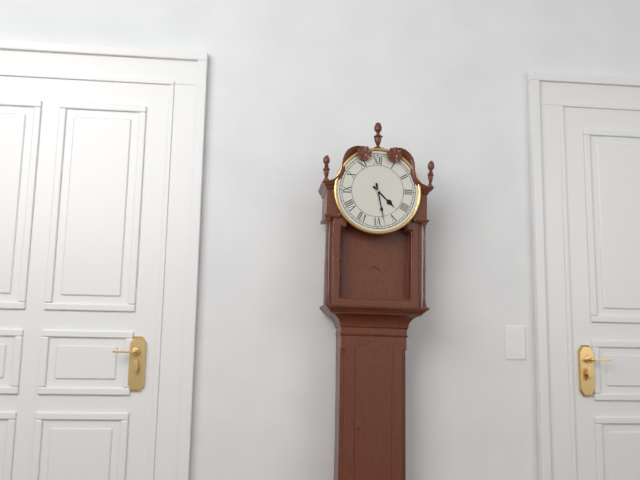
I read 4.28
